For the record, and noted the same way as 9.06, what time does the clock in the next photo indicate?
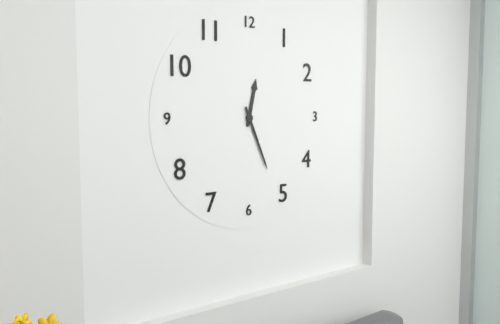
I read 12.26
